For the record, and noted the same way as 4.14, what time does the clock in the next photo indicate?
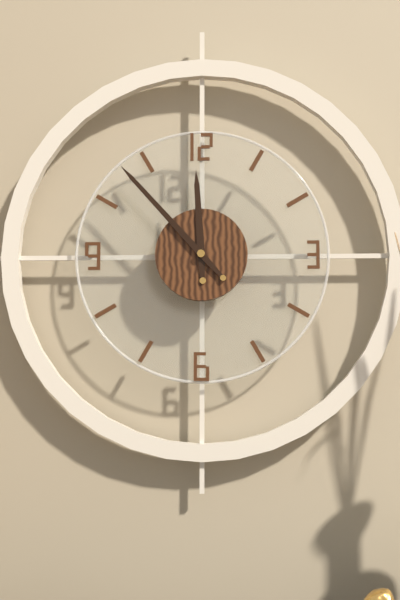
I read 11.53
